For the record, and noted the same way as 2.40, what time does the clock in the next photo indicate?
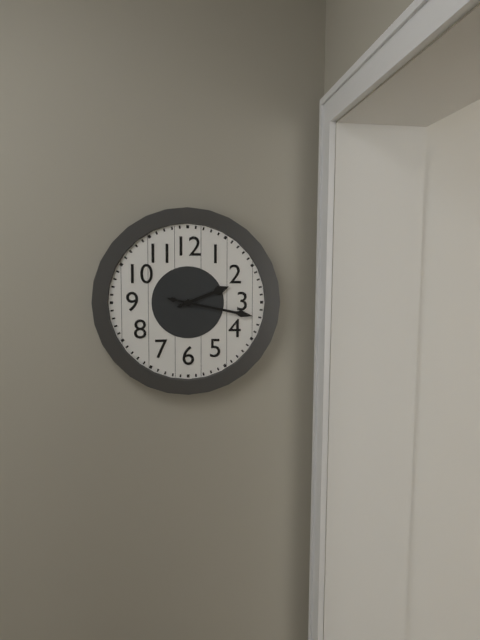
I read 2.17
